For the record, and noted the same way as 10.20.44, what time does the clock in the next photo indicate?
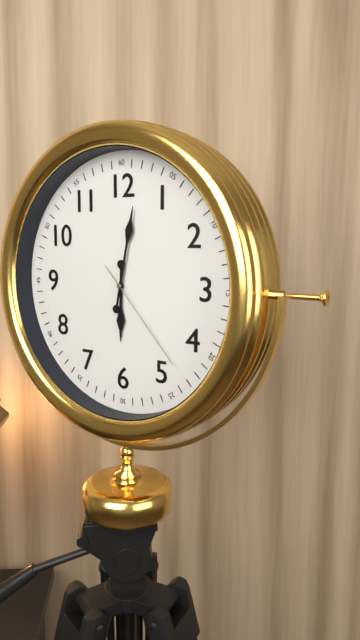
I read 6.02.23
